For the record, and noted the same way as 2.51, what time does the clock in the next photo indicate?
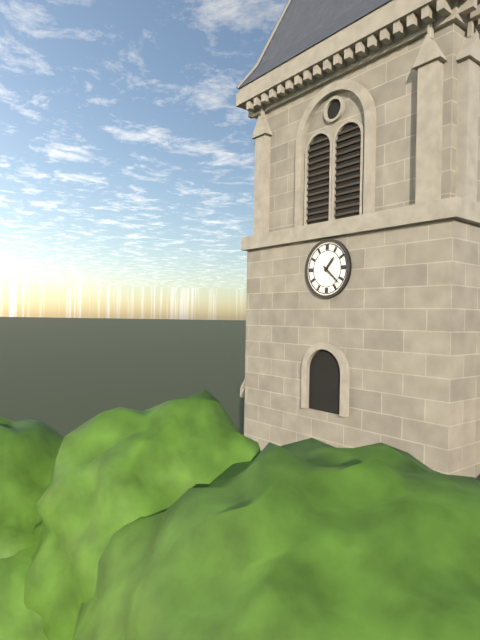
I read 1.22
